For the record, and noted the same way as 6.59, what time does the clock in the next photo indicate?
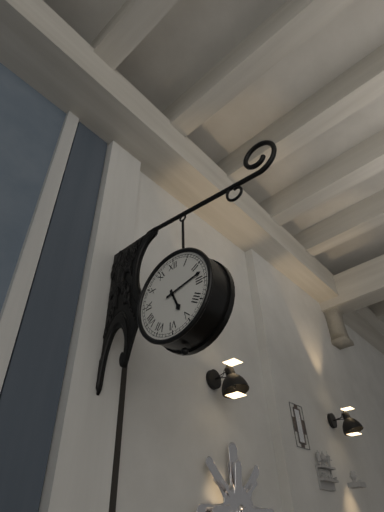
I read 5.13
